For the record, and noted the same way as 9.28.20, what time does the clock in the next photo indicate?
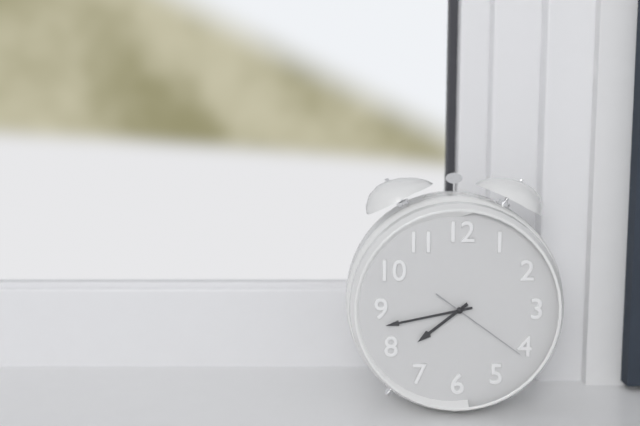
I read 7.43.21
